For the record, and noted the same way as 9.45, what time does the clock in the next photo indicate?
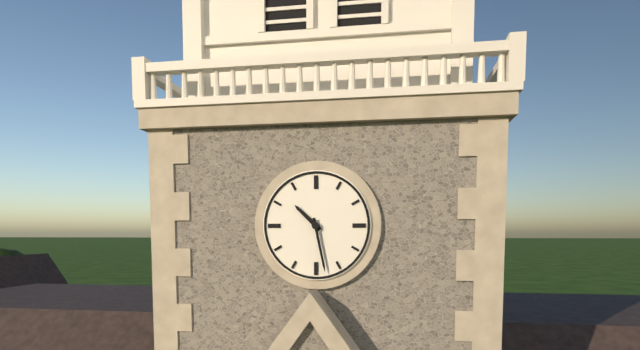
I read 10.28
